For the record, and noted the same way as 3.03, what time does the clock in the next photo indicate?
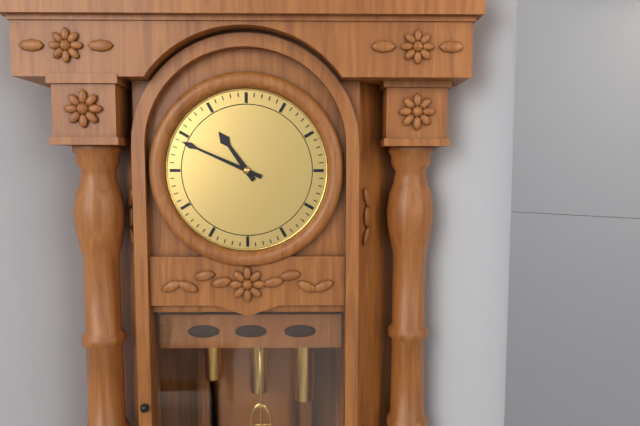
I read 10.49
